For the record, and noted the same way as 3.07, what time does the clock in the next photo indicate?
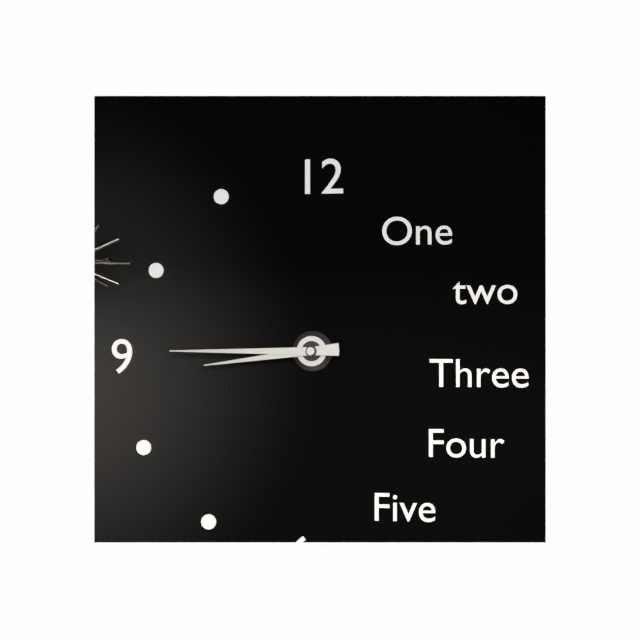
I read 8.45
